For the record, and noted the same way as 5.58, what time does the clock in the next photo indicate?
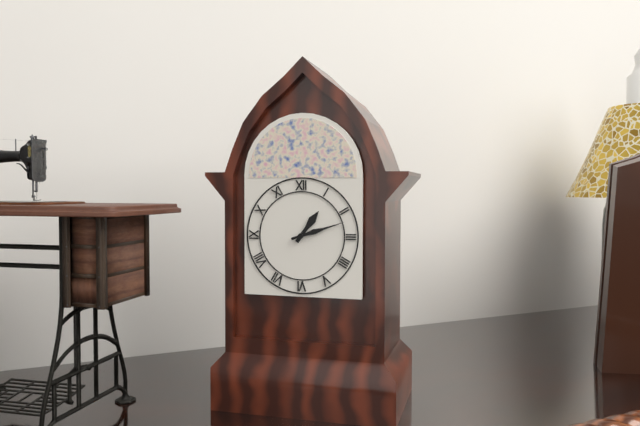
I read 1.12
